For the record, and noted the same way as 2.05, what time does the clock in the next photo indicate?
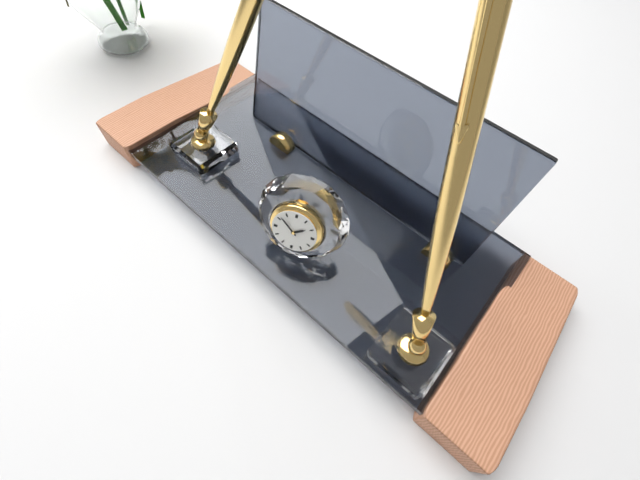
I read 1.52
